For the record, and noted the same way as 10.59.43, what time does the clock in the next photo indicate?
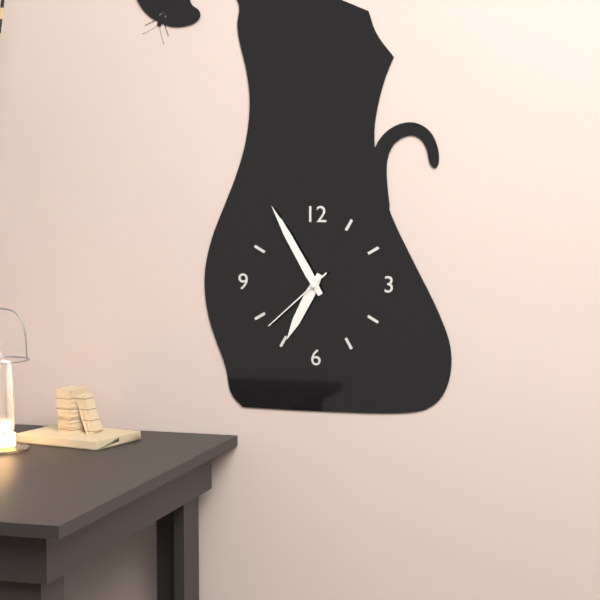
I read 6.55.38
